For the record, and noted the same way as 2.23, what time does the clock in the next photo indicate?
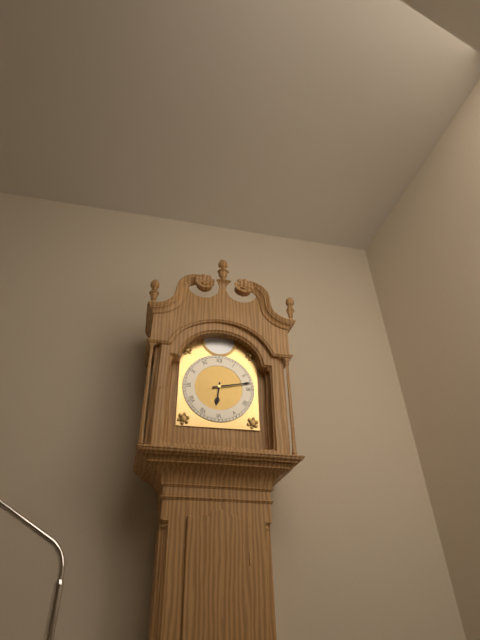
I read 6.13
